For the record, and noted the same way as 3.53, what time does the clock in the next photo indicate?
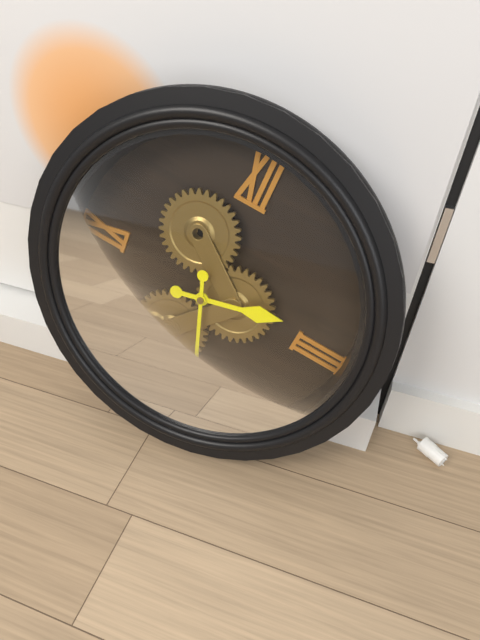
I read 2.27
